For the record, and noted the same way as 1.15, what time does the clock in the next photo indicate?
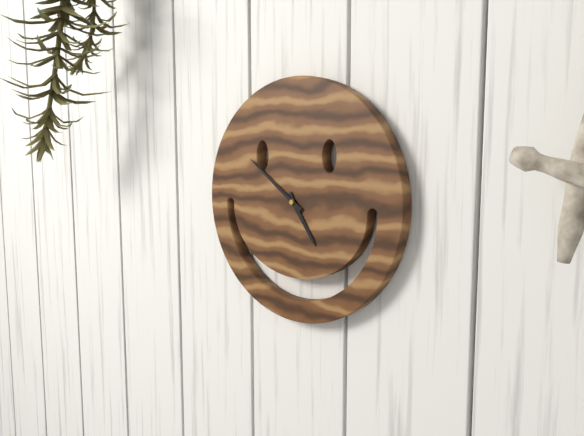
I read 4.51
